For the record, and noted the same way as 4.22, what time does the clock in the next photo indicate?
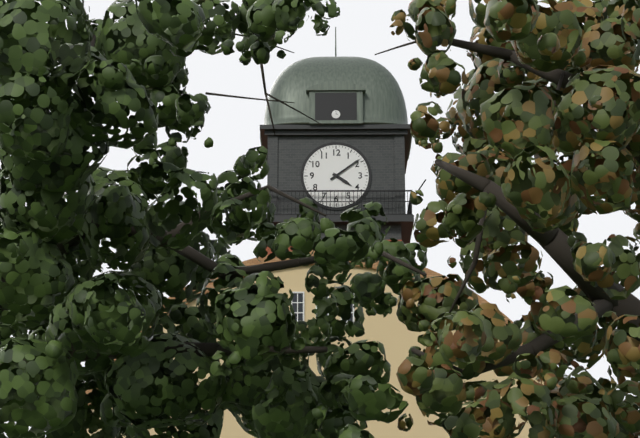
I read 4.09
